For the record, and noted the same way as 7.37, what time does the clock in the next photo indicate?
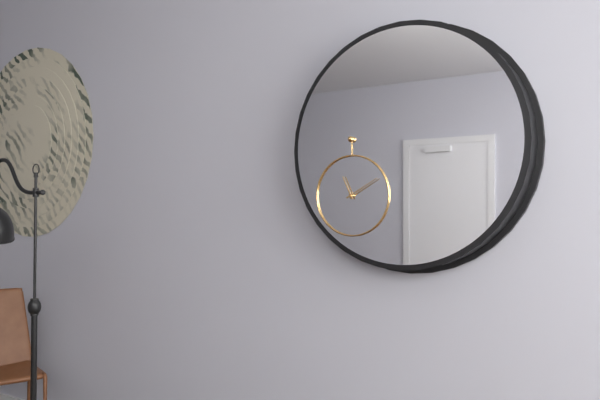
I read 11.10
